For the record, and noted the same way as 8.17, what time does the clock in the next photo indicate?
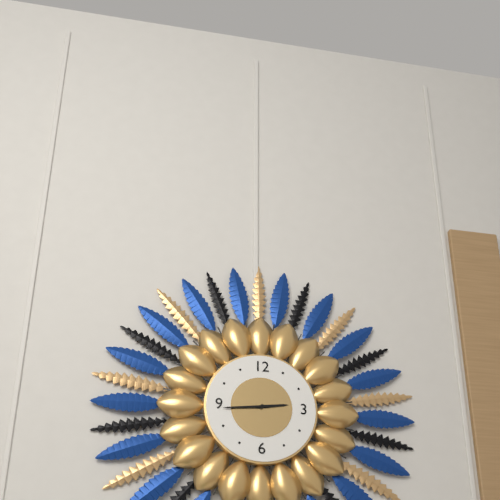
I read 2.44
